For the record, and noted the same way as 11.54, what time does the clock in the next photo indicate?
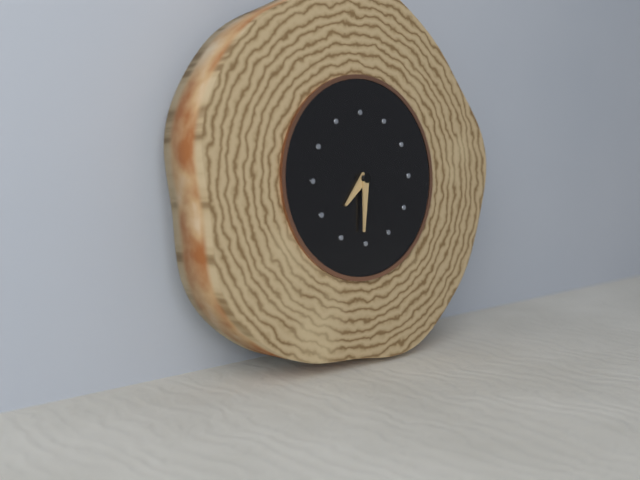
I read 7.31
